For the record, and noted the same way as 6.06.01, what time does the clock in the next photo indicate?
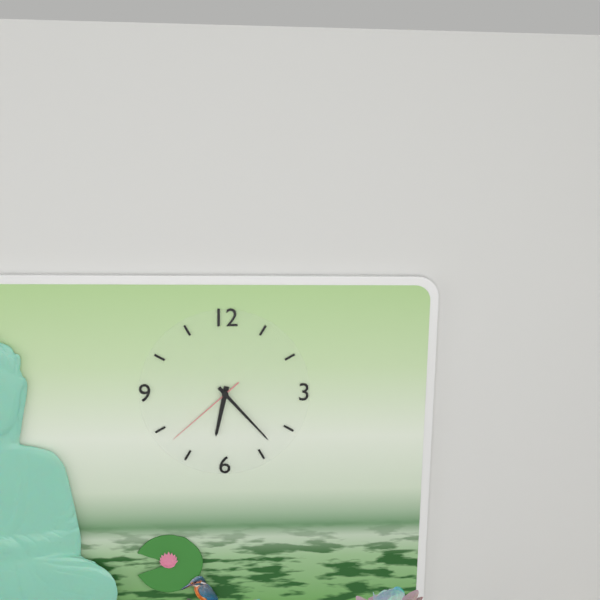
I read 6.23.38
